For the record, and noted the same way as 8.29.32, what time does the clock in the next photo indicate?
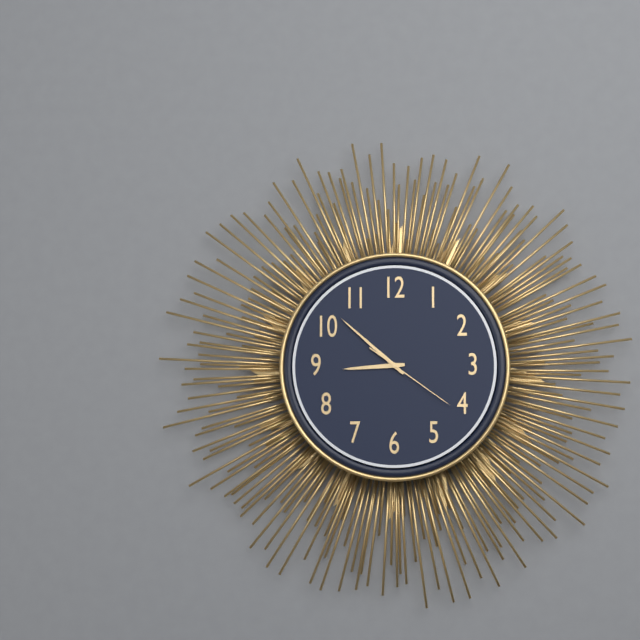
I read 8.52.21
